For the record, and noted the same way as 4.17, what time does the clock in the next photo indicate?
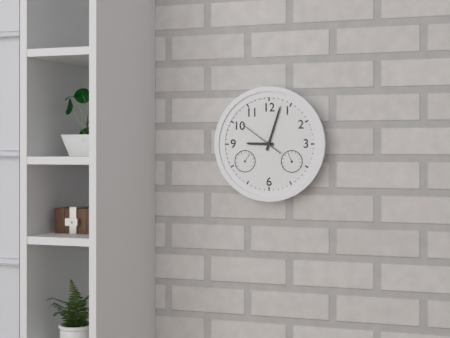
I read 9.03
